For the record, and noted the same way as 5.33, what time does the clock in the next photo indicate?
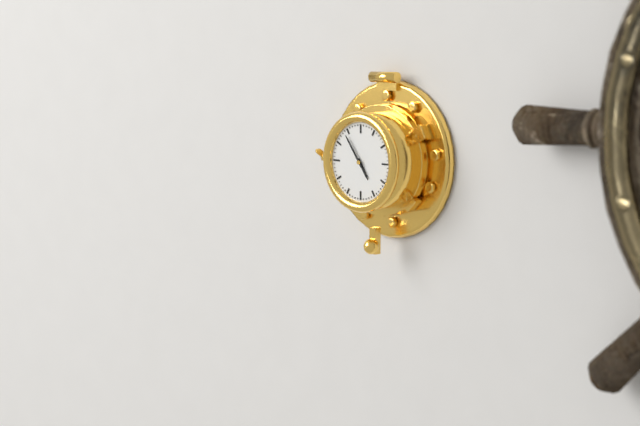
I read 4.54
